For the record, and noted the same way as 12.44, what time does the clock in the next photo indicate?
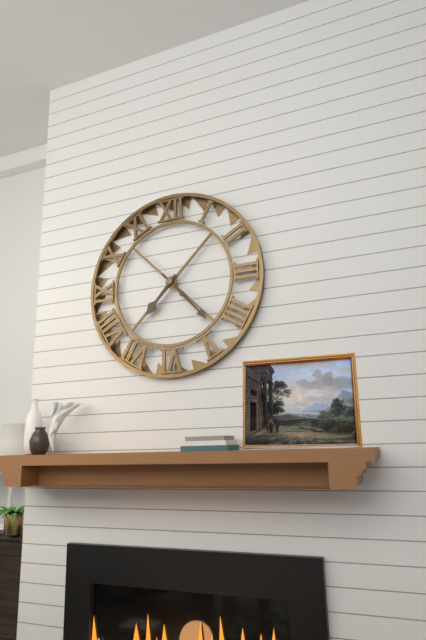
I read 7.23
